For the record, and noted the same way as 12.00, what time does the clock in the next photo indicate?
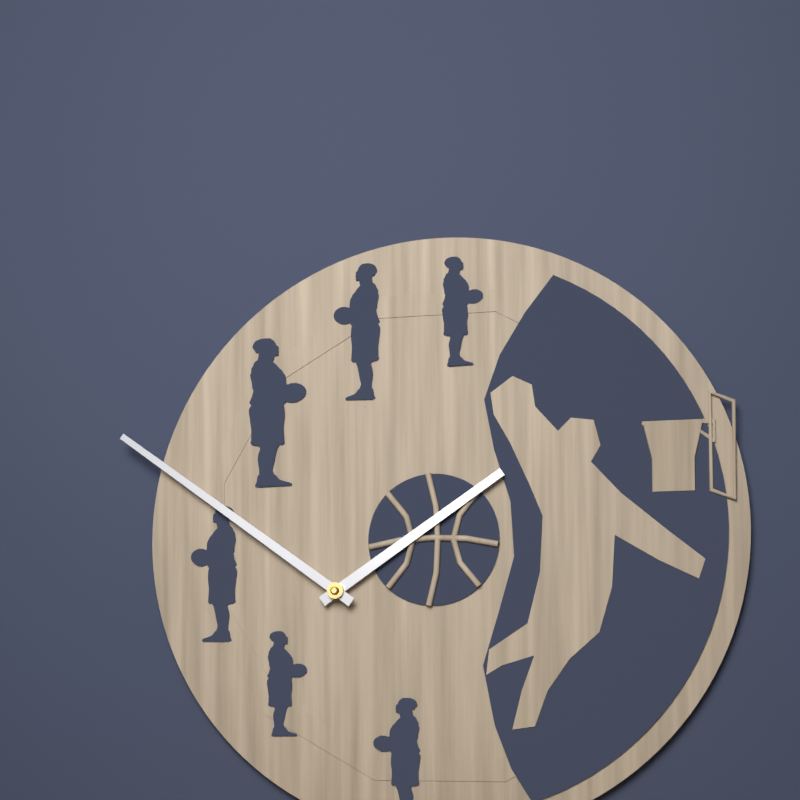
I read 1.51
